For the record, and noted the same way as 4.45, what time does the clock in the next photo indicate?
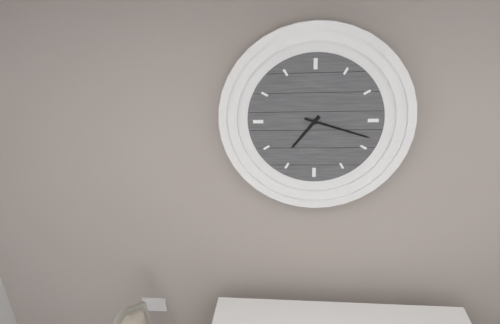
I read 7.18
